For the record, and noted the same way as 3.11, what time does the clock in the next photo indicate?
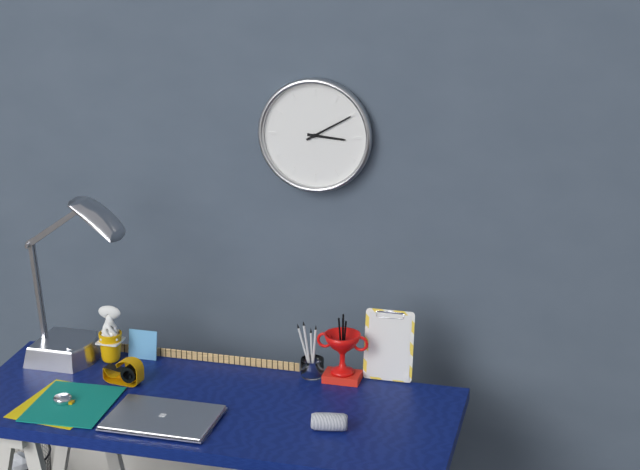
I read 3.10
